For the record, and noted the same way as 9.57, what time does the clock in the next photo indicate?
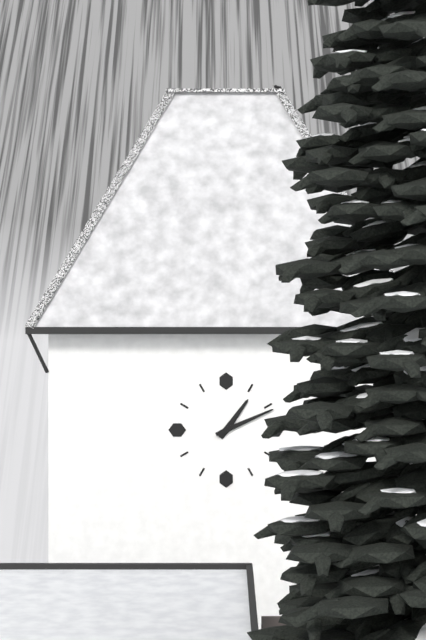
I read 1.11
